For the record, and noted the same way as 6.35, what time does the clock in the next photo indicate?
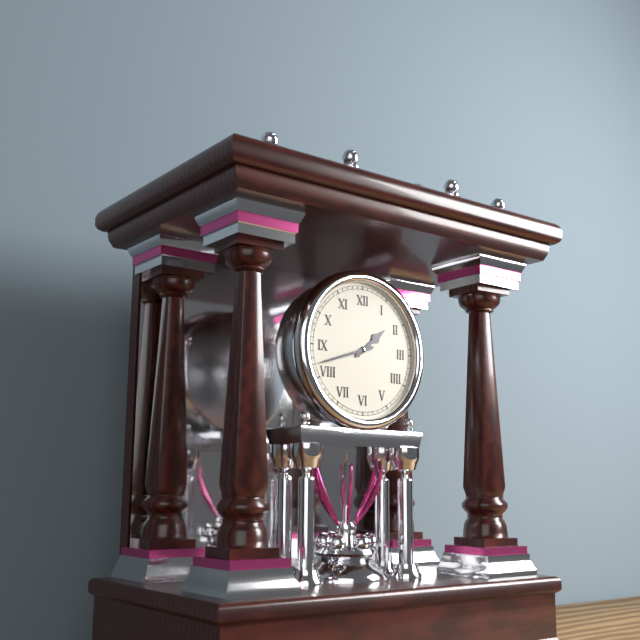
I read 1.42
